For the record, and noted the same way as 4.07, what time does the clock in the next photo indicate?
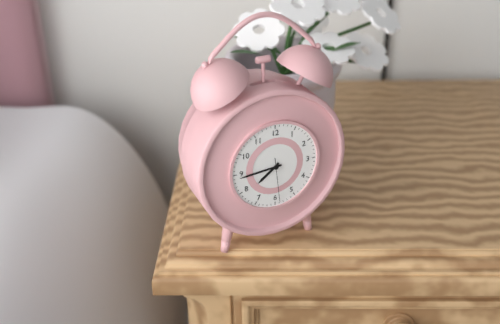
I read 7.44
